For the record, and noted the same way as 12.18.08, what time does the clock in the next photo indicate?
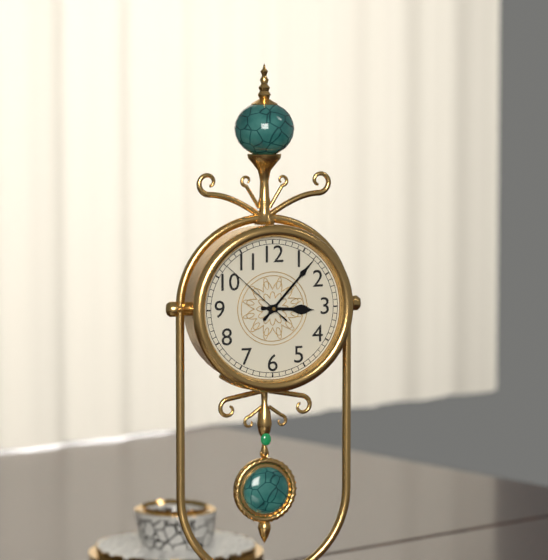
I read 3.07.52
